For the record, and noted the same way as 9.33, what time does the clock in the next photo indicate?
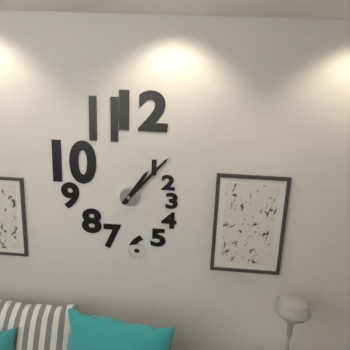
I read 1.07
